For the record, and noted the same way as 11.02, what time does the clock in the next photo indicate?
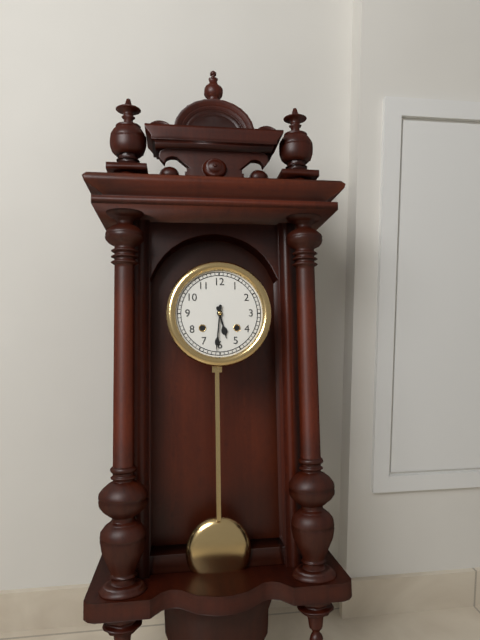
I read 5.31
